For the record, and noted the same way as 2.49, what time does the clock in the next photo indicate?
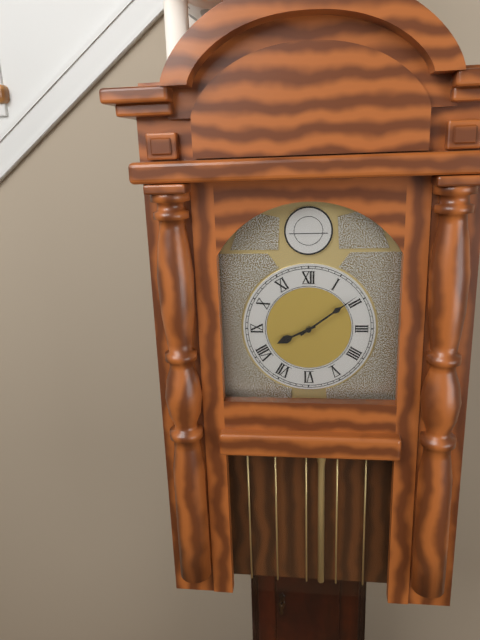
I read 8.09
